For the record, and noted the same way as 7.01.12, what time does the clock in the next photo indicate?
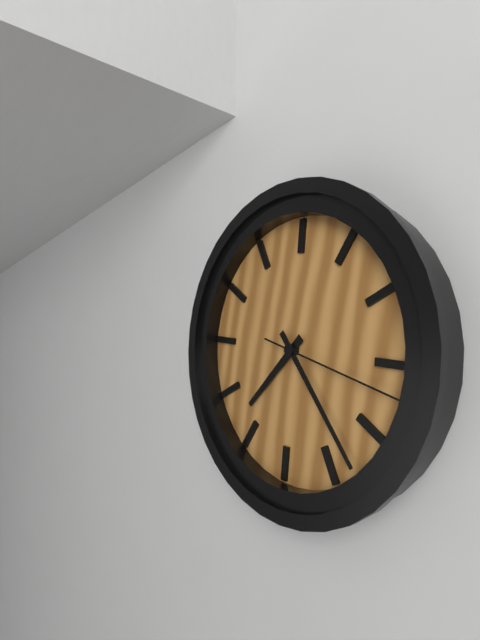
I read 7.23.17
